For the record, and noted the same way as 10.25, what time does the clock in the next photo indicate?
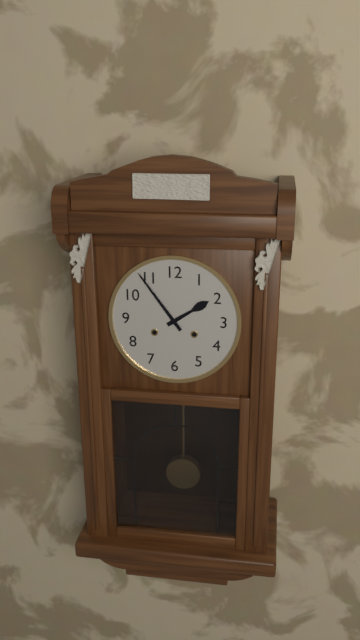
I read 1.54
